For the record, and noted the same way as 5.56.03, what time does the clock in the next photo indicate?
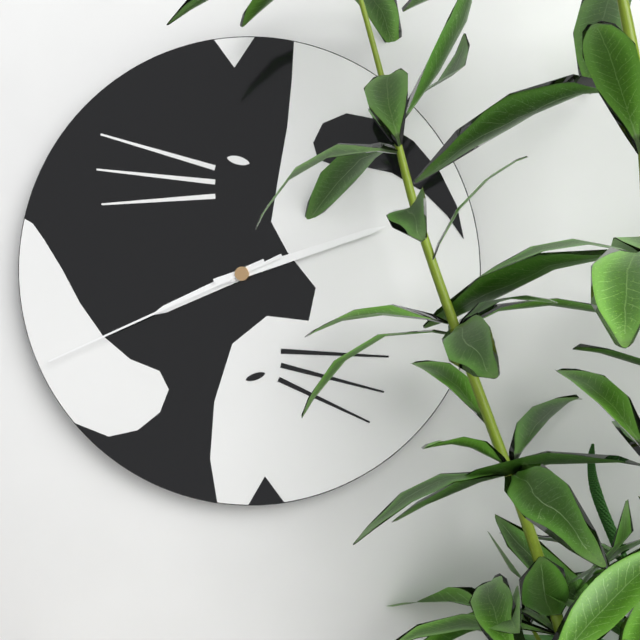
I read 8.12.41
